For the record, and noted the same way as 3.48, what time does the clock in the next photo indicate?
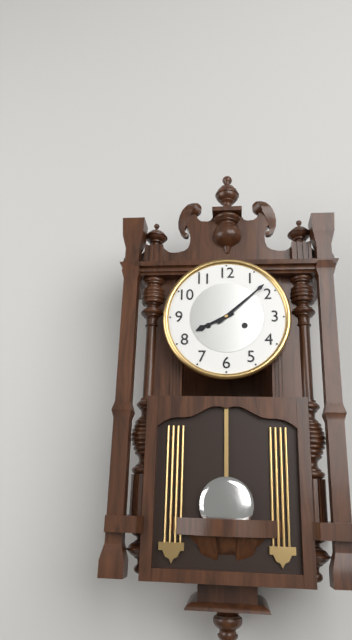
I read 8.08
